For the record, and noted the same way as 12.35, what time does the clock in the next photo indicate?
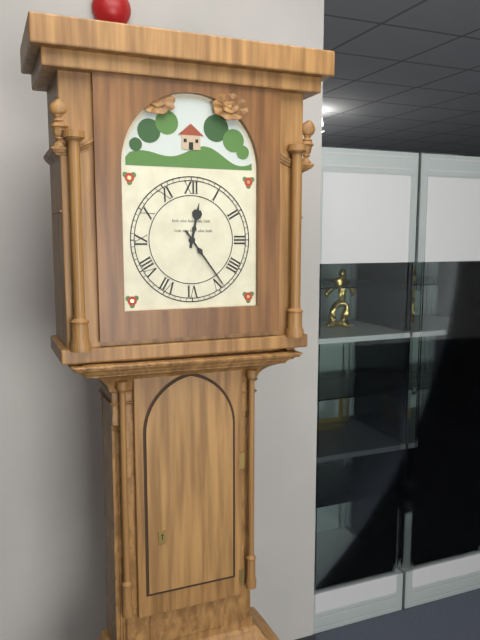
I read 12.24
